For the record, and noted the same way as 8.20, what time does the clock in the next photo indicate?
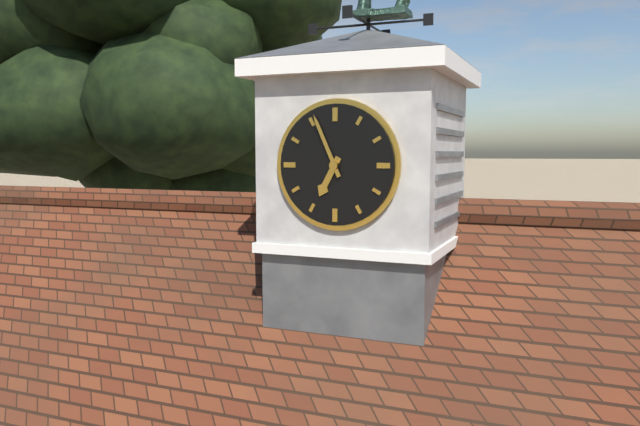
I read 6.56
